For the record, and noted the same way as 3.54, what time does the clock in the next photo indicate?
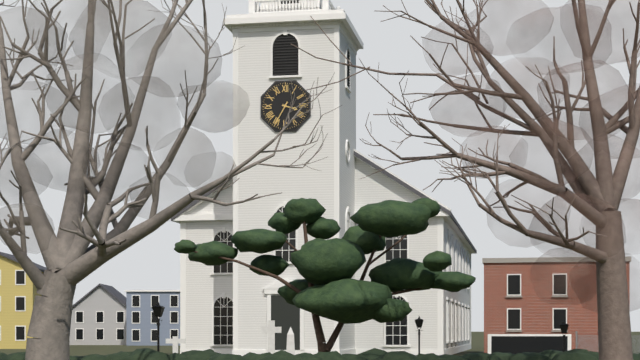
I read 3.35
